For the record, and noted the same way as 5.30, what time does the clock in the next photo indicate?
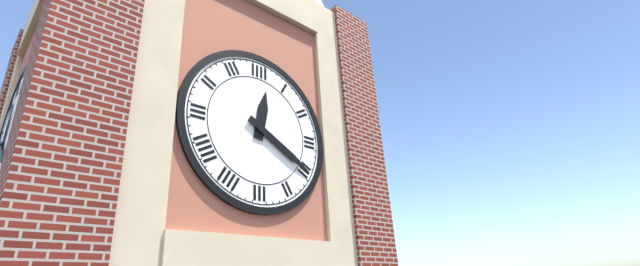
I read 12.20
